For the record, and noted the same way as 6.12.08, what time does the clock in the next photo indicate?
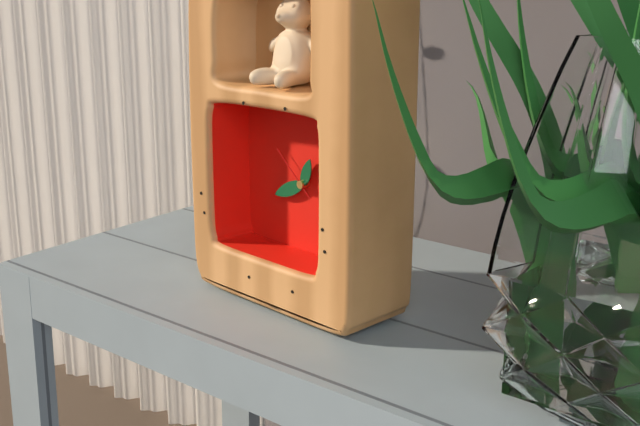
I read 12.41.52
